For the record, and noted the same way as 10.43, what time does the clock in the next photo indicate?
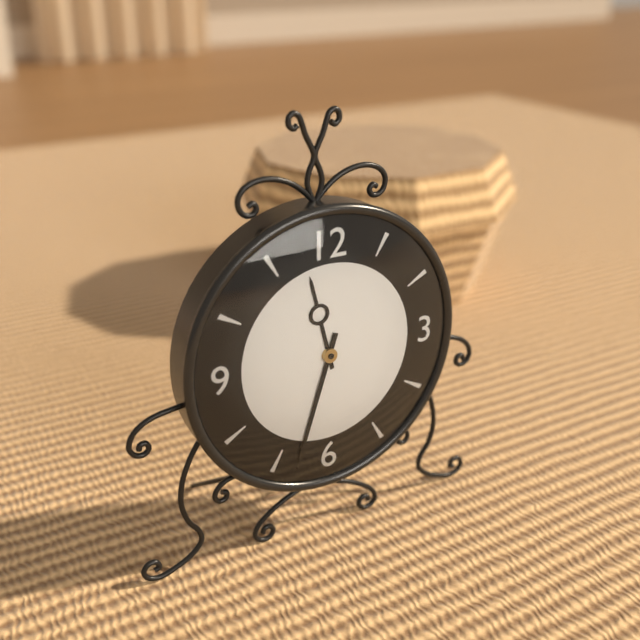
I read 11.33
